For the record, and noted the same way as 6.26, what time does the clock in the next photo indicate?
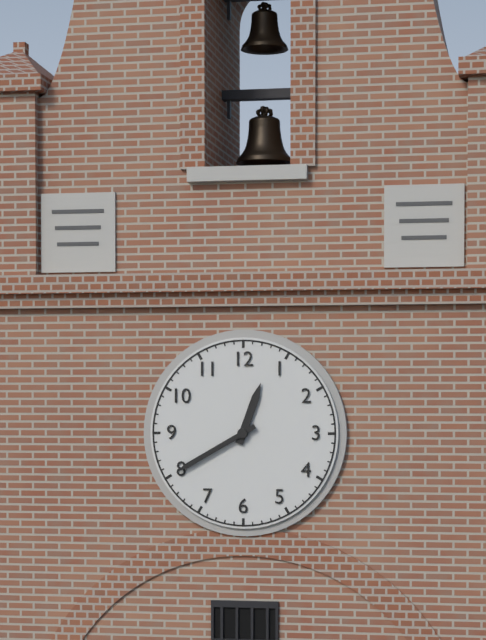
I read 12.40
